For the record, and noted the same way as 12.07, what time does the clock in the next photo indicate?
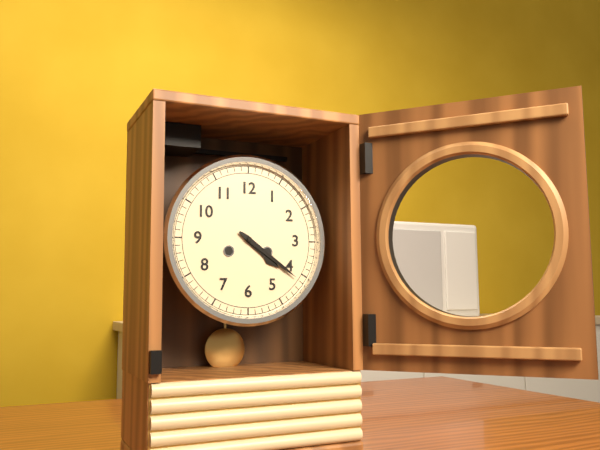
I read 4.21
